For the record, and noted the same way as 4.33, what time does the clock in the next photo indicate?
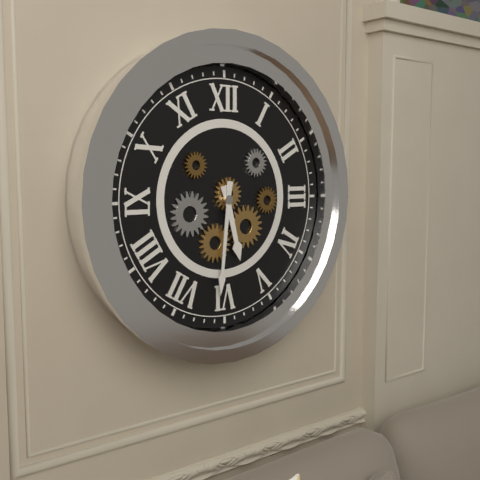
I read 5.31
